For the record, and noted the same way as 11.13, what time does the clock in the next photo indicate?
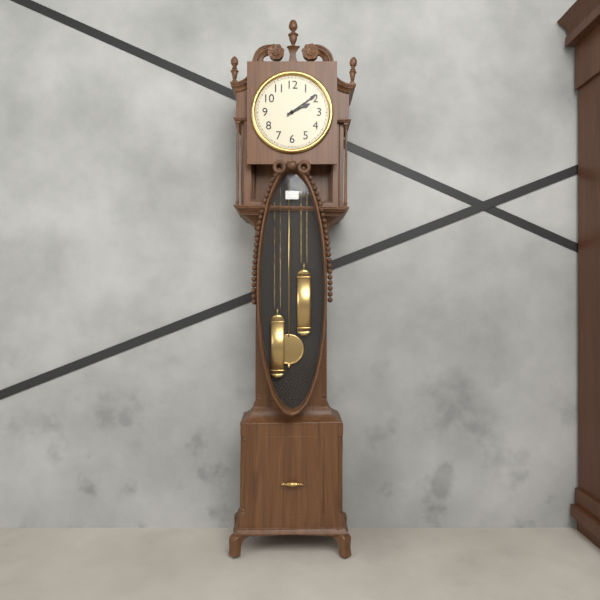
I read 2.09
